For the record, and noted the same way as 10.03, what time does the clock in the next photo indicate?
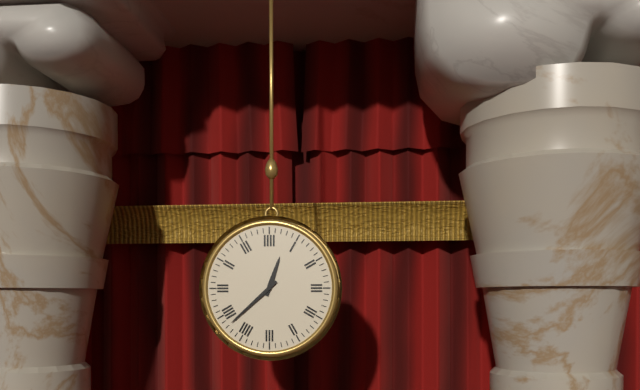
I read 12.38
